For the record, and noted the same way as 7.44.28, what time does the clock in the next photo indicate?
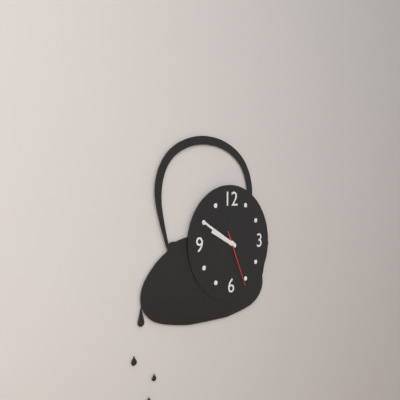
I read 9.50.26
